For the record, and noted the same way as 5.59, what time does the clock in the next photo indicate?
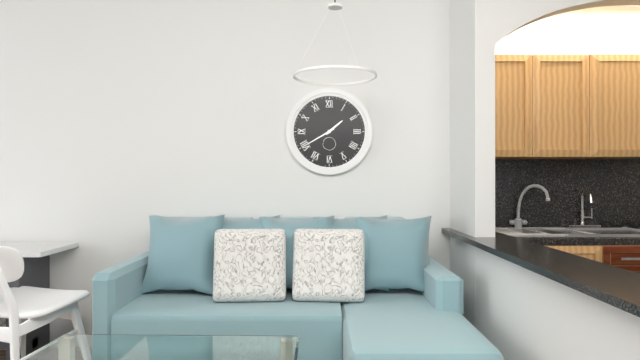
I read 1.40
